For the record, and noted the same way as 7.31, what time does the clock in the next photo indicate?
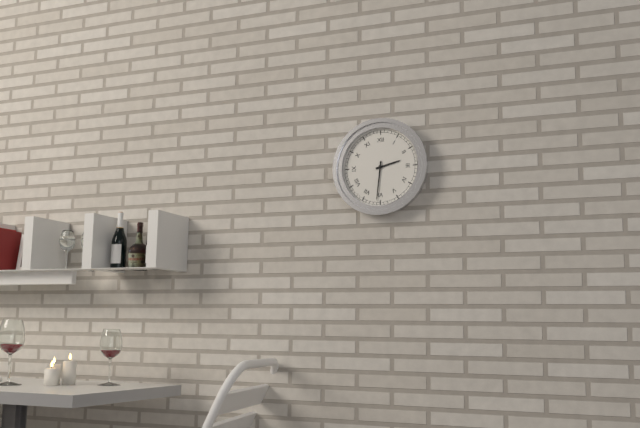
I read 2.31
